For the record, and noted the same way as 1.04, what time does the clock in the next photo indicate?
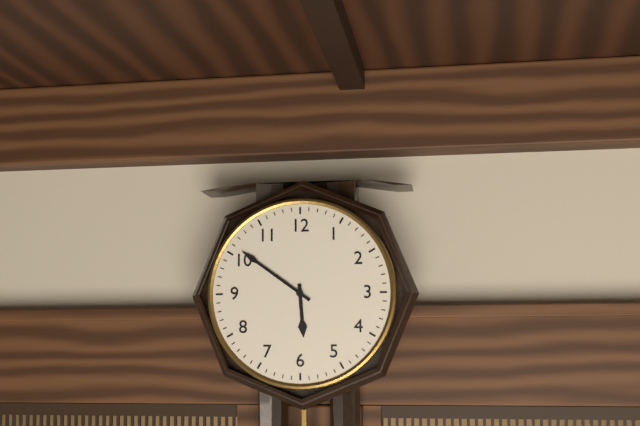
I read 5.51
